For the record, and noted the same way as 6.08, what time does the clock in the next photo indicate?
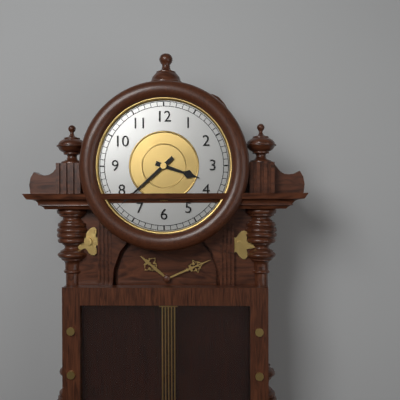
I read 3.38
